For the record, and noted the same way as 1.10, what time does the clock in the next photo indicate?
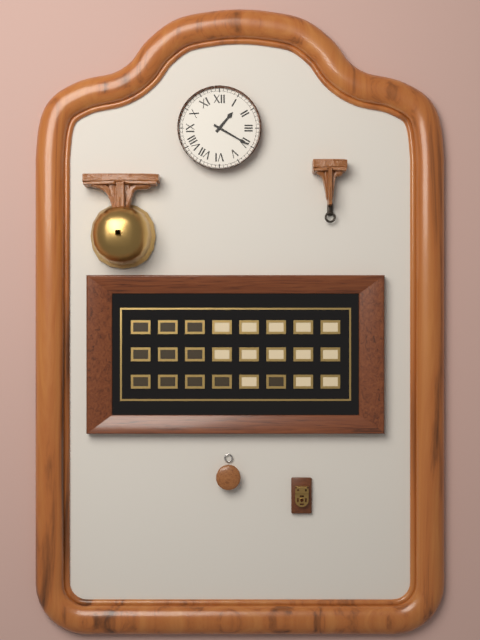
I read 1.20
